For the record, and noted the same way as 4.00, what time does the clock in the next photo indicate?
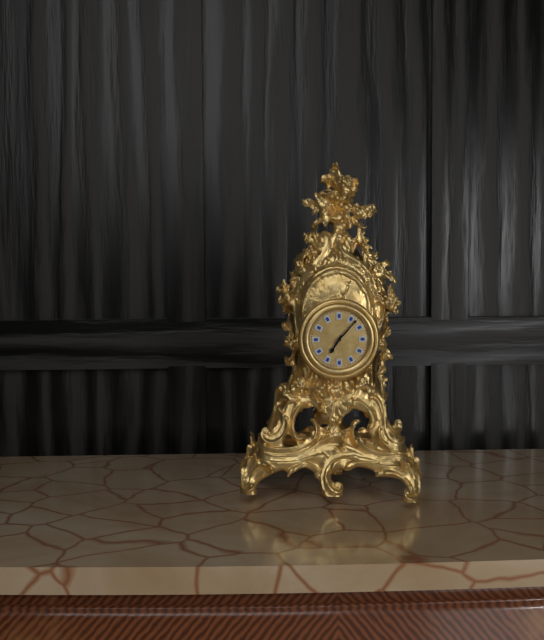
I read 7.07
